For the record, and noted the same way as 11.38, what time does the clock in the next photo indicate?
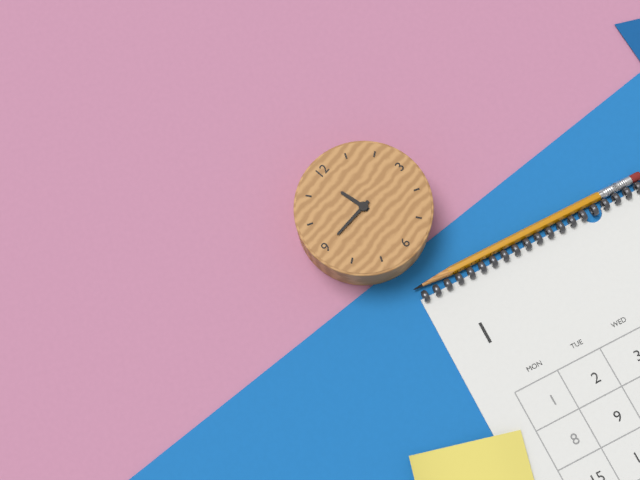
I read 11.45
